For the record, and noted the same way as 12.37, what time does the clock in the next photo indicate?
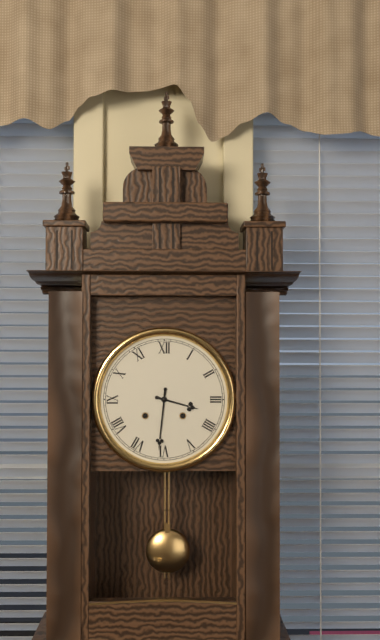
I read 3.31
